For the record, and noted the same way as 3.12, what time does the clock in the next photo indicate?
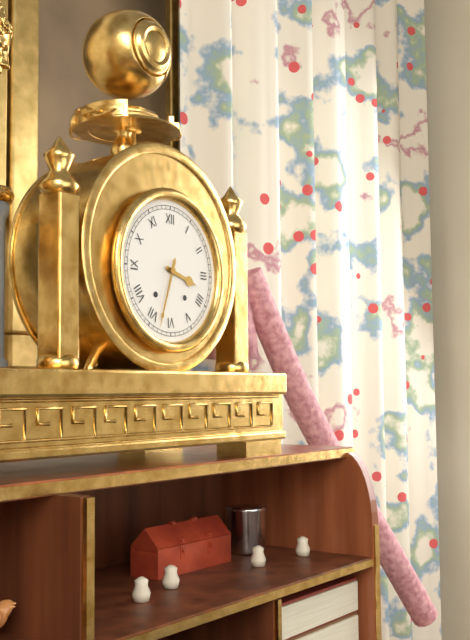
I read 3.33
